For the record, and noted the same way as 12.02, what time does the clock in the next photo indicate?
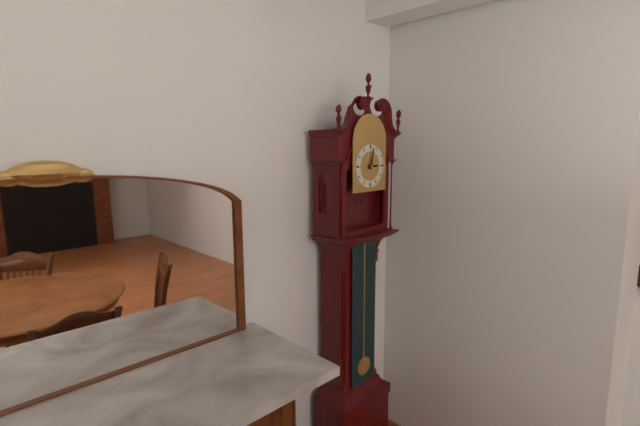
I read 3.02
